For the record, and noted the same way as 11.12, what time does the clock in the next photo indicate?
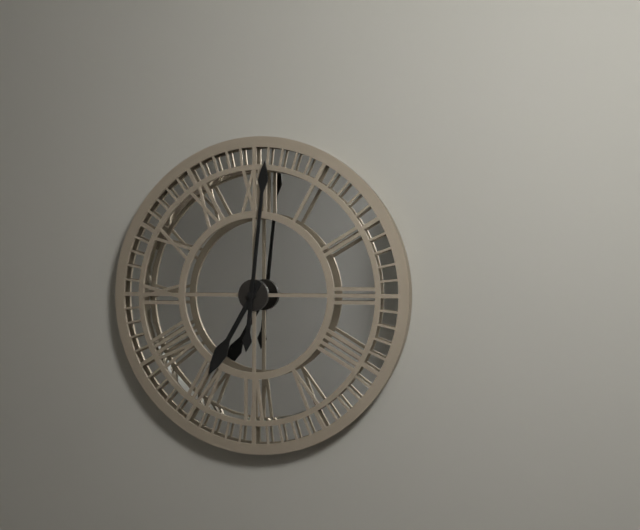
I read 7.01
